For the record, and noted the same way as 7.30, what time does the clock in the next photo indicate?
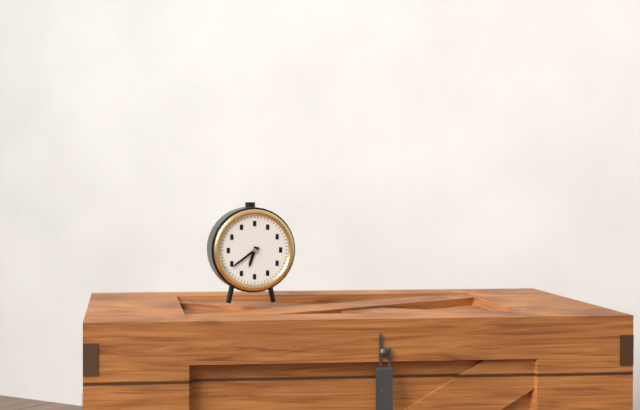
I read 6.39
